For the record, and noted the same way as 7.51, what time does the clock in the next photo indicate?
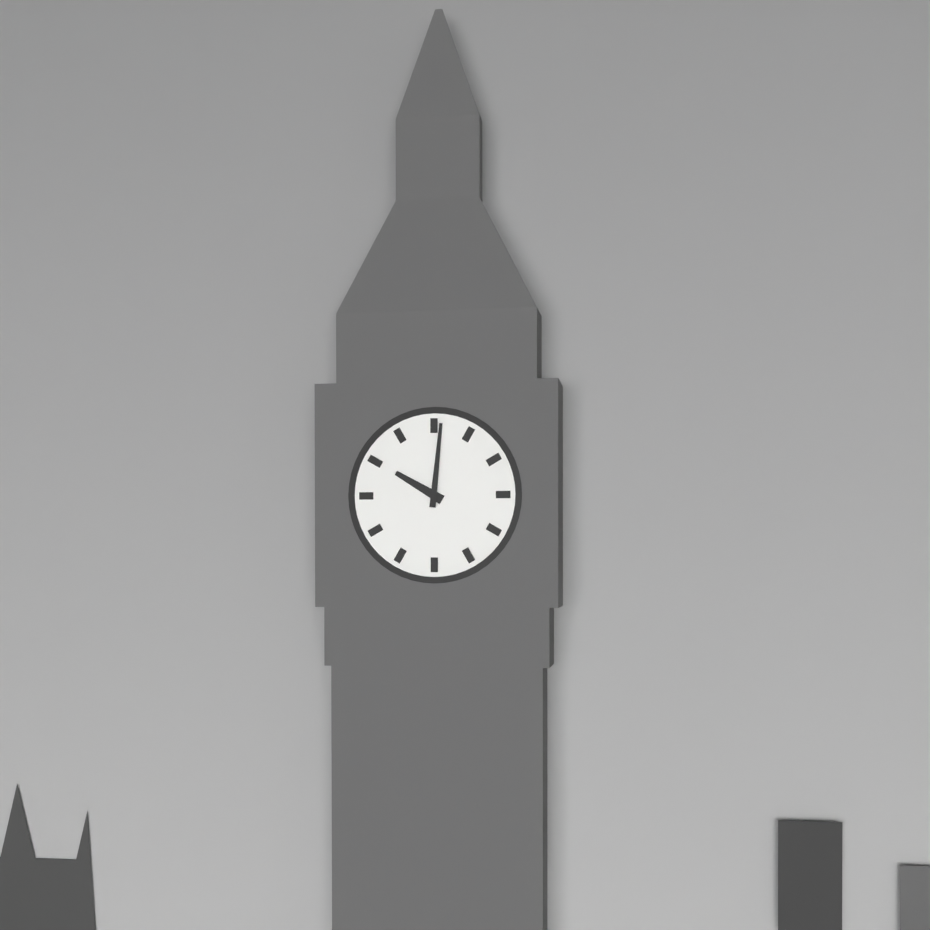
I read 10.01
